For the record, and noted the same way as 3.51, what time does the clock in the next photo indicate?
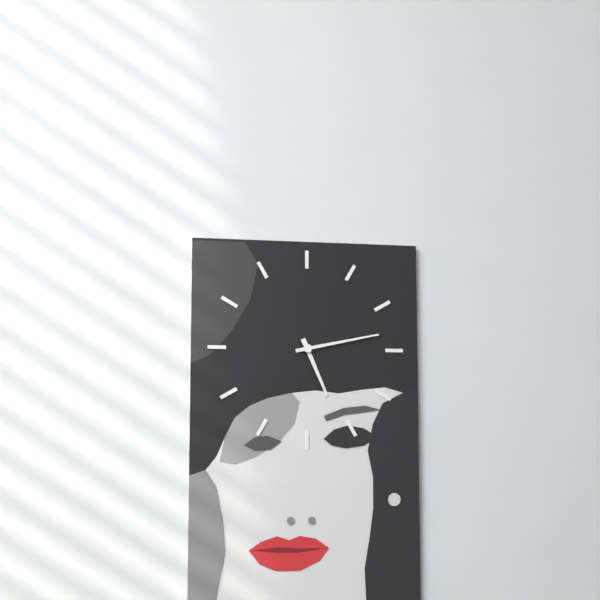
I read 5.13
